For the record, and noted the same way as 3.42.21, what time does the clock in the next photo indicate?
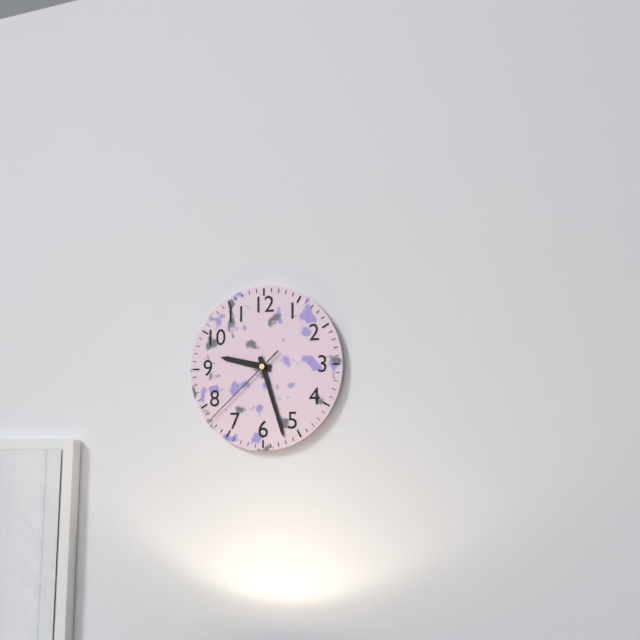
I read 9.27.38
